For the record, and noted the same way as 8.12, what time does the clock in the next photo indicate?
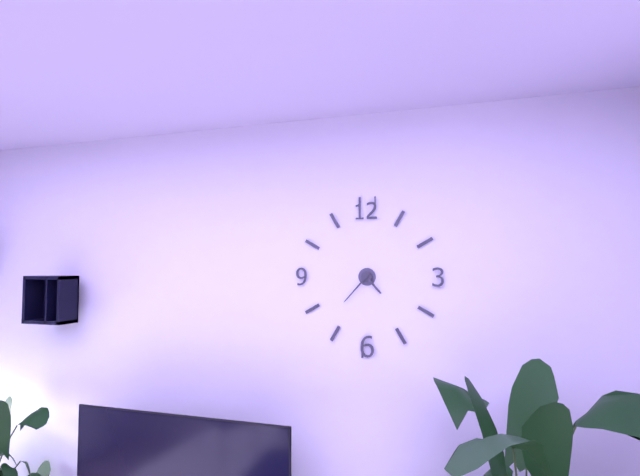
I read 4.37
